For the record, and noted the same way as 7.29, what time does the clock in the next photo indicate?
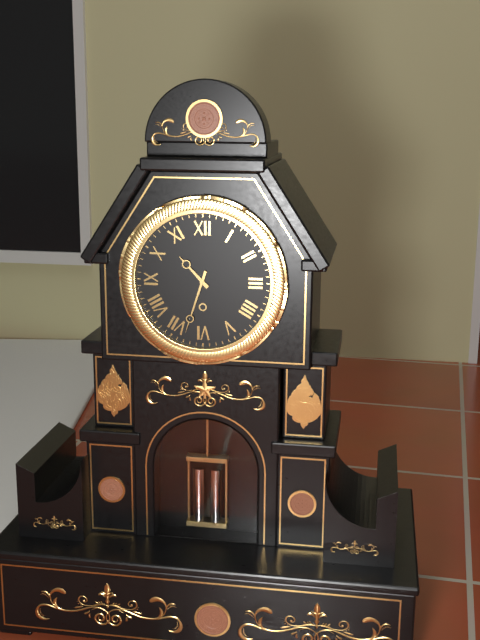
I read 10.33
